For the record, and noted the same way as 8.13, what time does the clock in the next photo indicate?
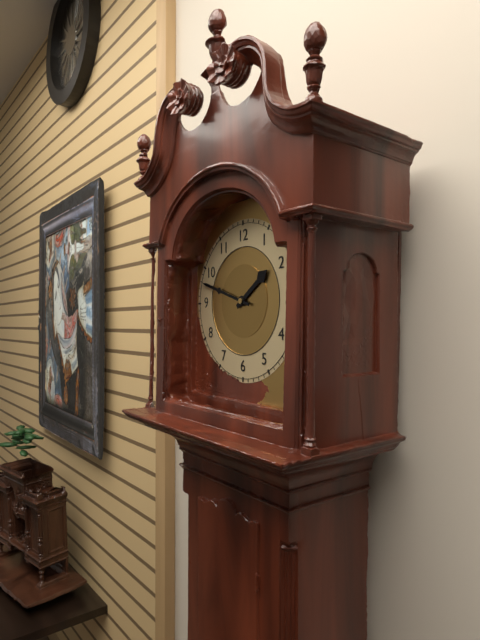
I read 1.48
